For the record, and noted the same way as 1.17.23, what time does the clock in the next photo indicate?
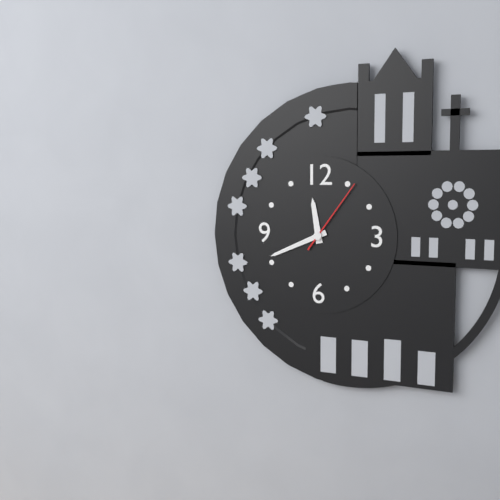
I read 11.41.06
